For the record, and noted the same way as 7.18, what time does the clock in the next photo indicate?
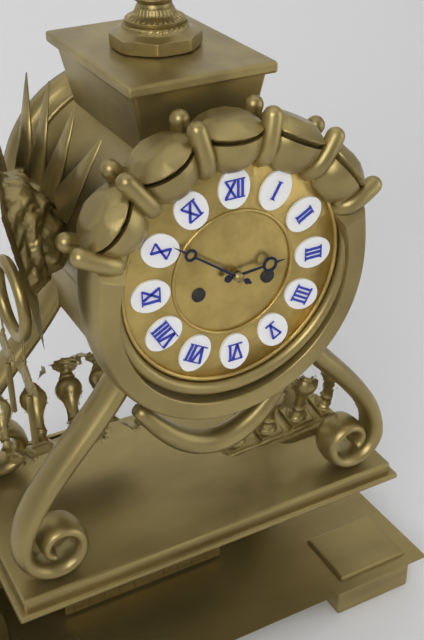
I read 2.51
